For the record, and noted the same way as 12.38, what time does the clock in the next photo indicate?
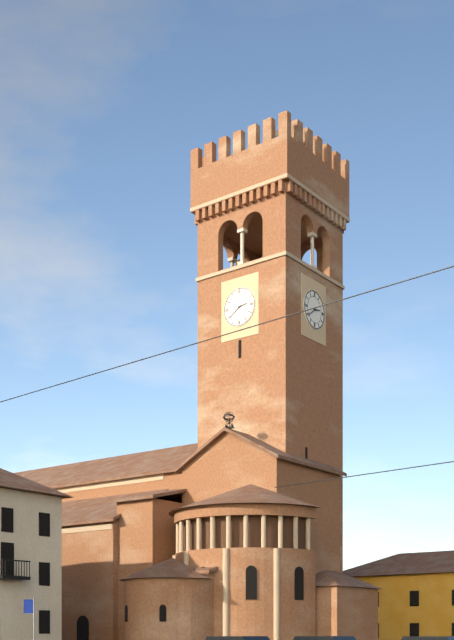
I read 2.39
